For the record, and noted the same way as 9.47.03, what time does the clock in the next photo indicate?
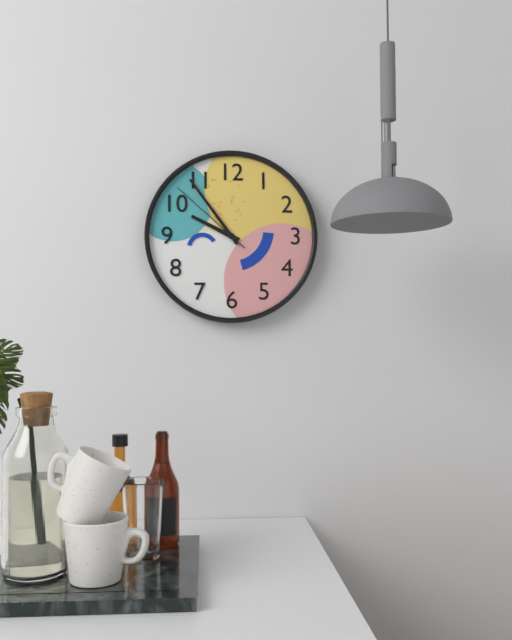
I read 9.54.52
